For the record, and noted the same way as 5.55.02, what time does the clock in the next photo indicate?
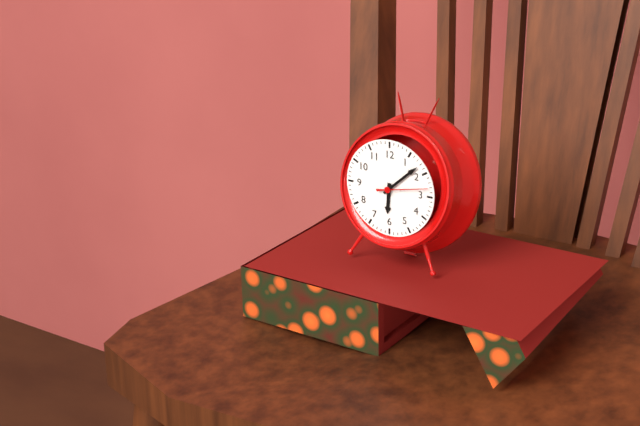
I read 6.08.13
